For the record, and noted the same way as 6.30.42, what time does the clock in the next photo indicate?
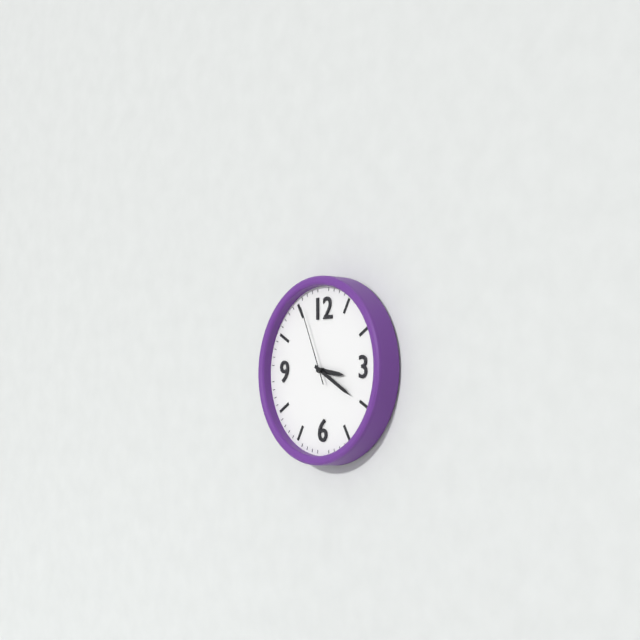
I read 3.20.56
